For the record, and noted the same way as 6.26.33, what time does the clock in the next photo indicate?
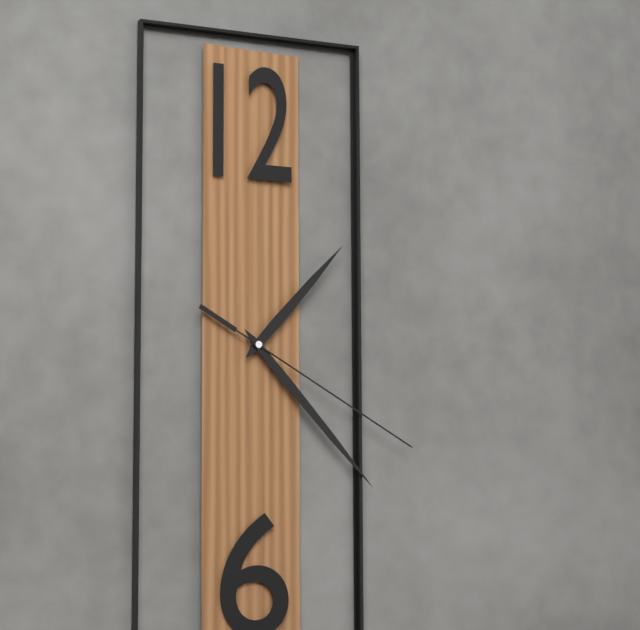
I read 1.23.20
